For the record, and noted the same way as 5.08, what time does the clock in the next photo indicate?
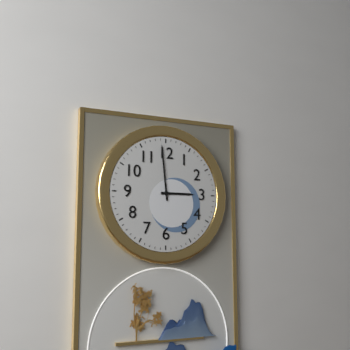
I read 2.59
